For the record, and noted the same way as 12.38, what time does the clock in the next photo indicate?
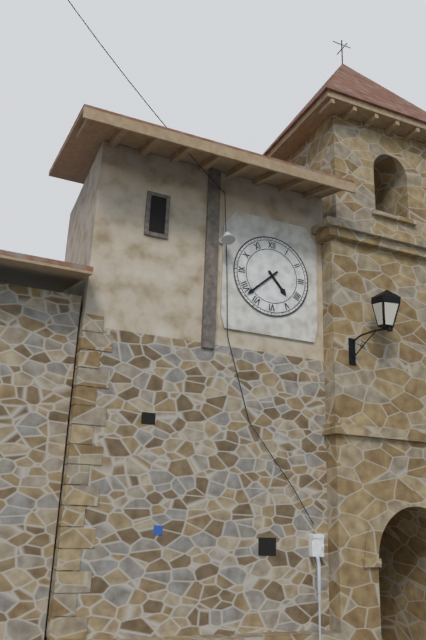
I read 4.38
